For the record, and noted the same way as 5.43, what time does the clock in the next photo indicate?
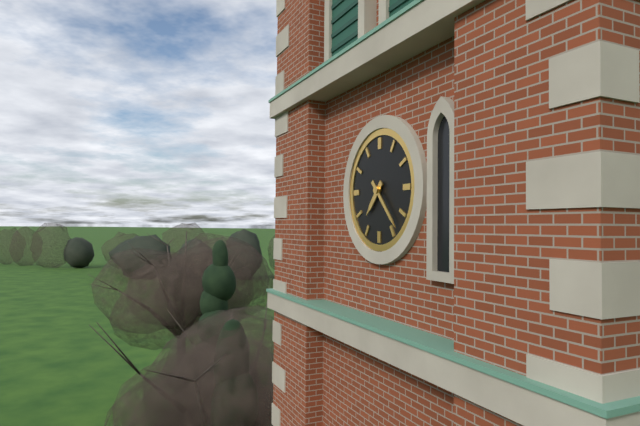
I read 7.23
